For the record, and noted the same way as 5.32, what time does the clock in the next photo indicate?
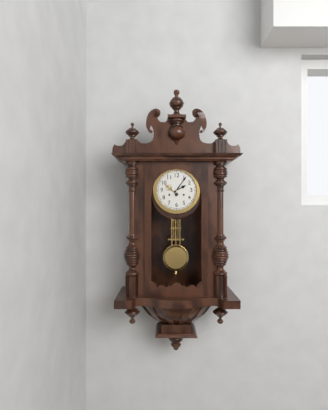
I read 2.06
